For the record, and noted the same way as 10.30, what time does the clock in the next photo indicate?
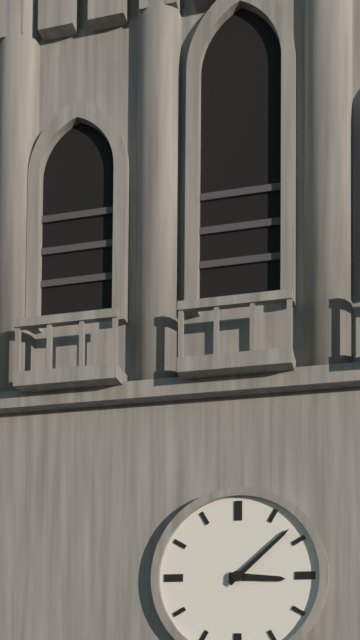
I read 3.08
